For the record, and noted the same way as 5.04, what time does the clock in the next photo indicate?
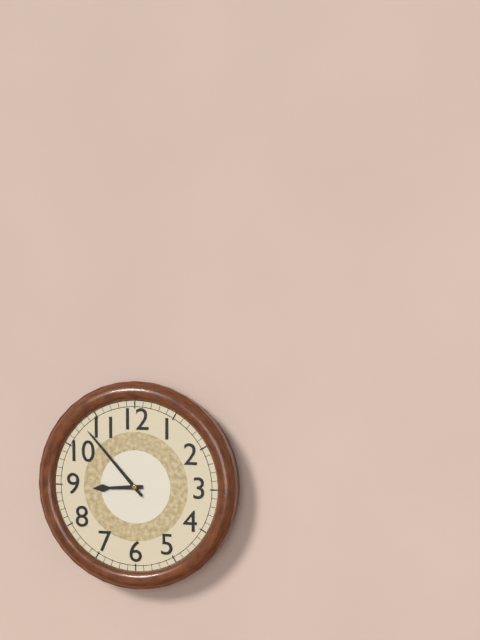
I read 8.53
